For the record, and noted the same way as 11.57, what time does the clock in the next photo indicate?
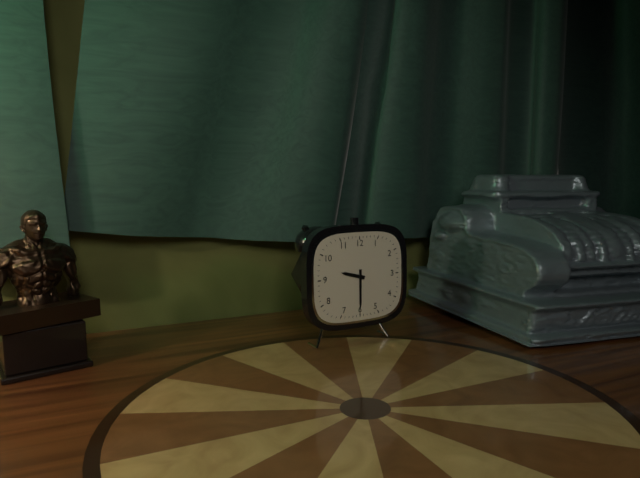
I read 9.30
